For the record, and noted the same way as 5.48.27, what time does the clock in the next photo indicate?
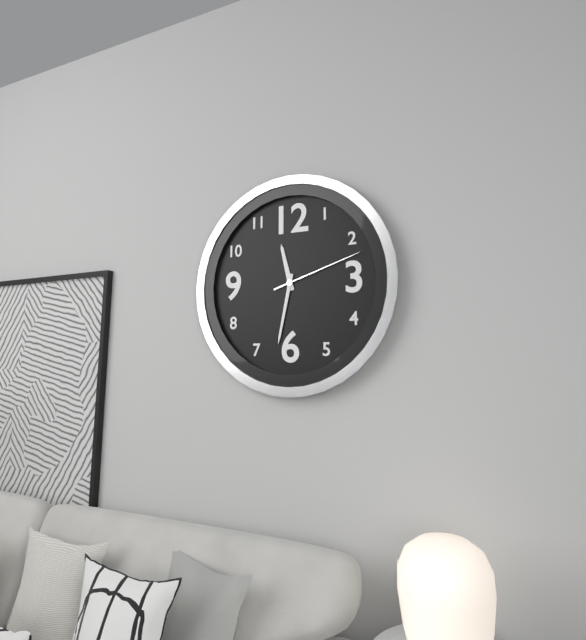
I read 11.32.12
